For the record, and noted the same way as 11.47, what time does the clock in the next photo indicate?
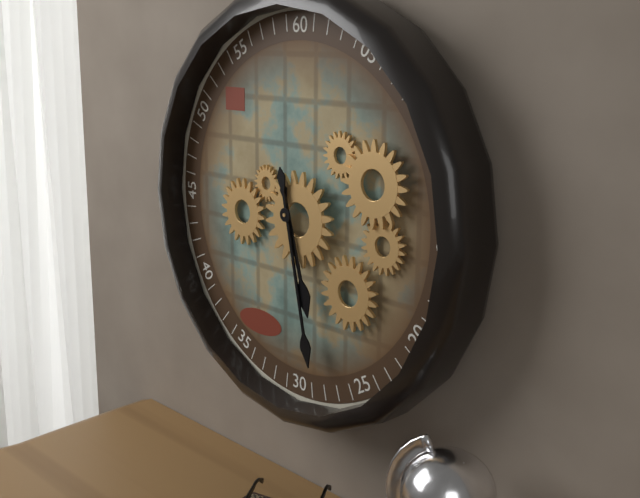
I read 5.28
